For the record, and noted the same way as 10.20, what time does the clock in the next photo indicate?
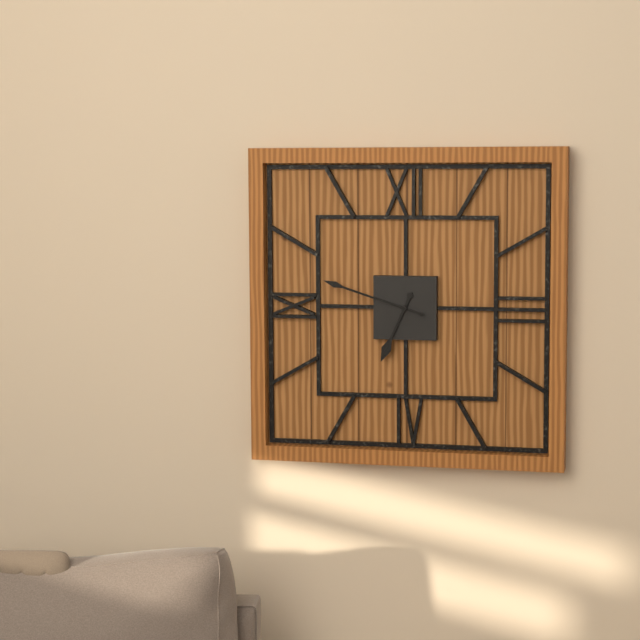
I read 6.48
